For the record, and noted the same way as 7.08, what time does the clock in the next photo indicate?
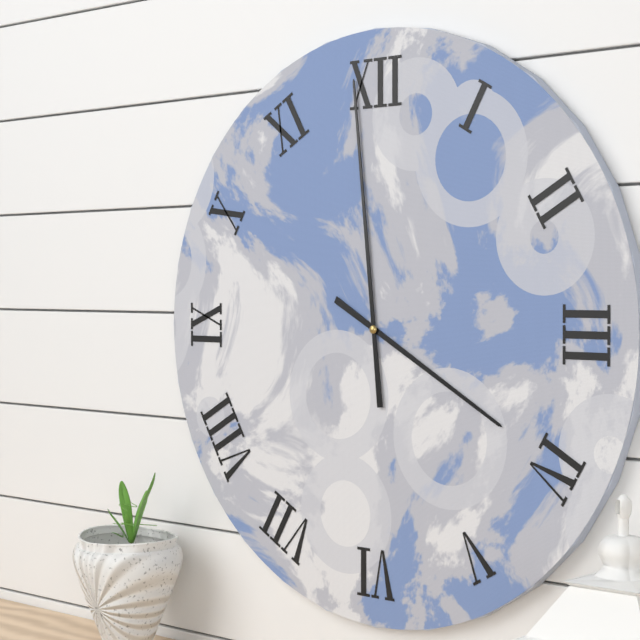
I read 3.59
